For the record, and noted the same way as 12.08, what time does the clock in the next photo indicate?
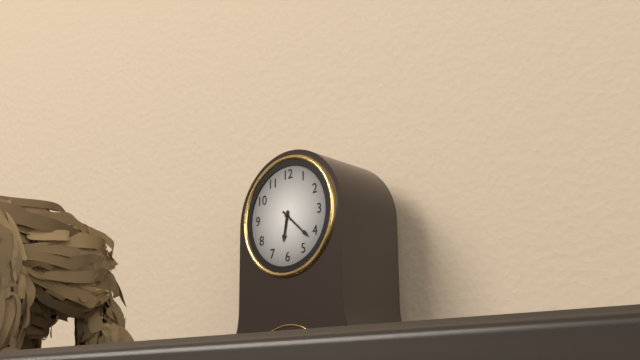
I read 6.22
